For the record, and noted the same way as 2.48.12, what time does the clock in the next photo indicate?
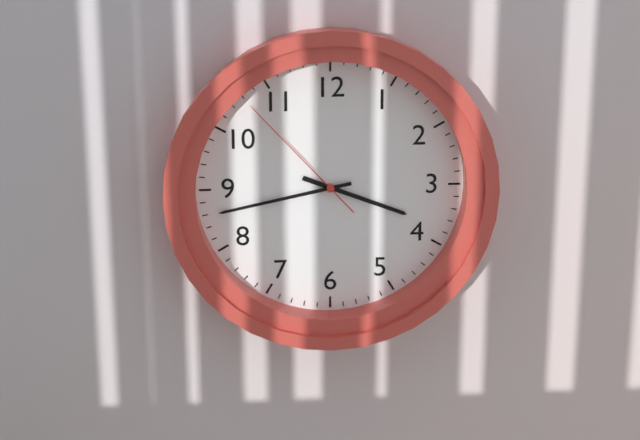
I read 3.43.53
